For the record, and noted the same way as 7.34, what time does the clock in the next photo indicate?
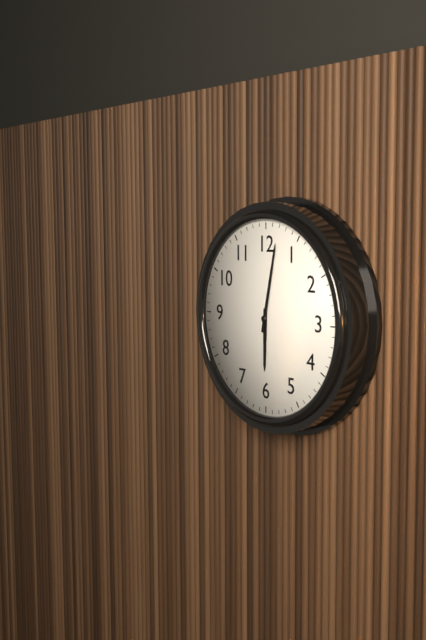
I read 6.02
